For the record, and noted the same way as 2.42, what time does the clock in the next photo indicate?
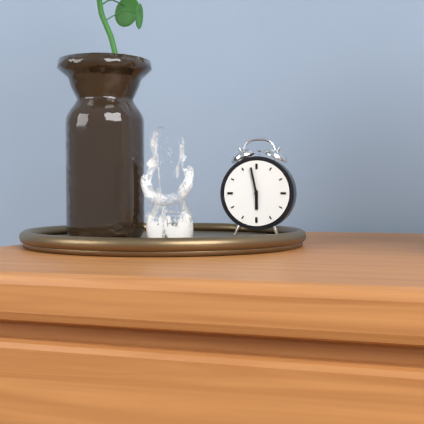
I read 5.58
